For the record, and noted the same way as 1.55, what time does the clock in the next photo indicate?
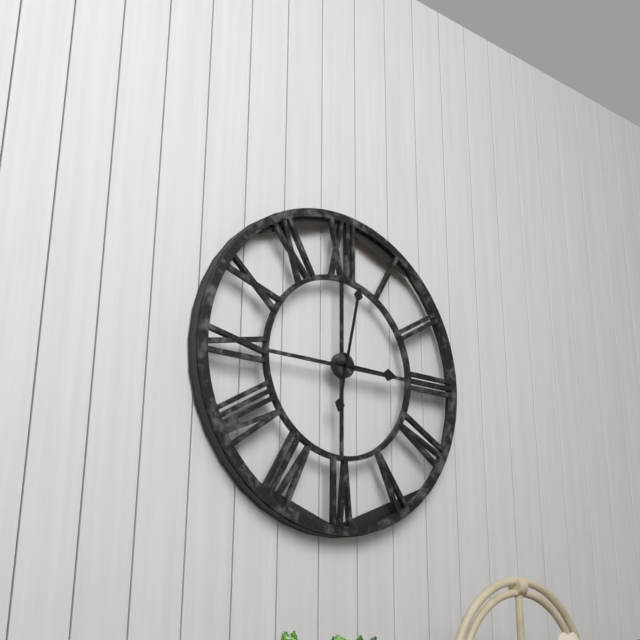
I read 3.02
